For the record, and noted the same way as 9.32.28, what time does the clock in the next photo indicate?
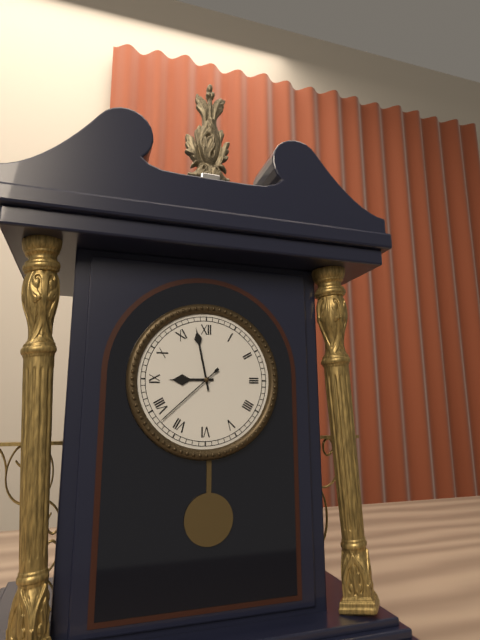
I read 8.58.38
